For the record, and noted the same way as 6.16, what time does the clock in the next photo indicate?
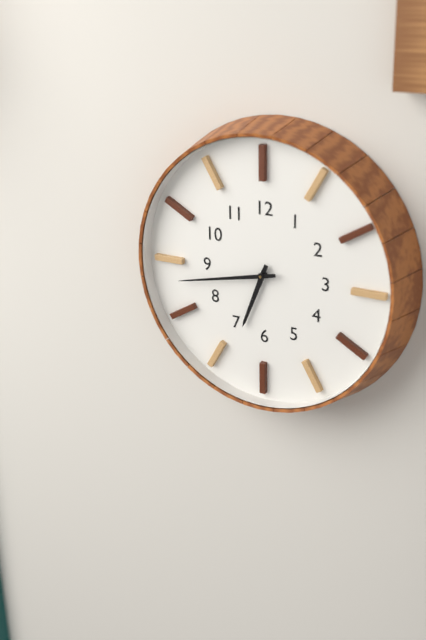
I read 6.43
